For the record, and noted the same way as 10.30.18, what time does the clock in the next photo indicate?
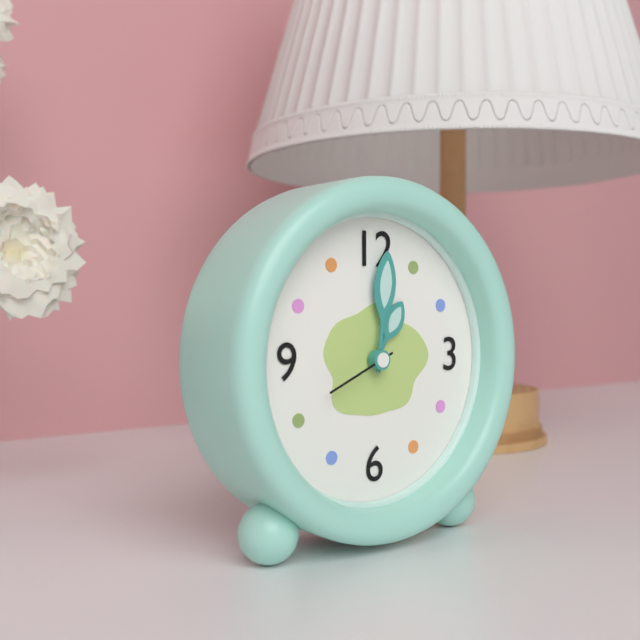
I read 1.01.41
